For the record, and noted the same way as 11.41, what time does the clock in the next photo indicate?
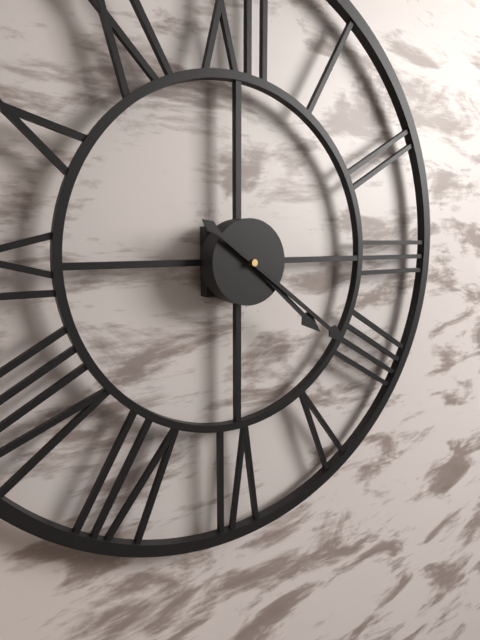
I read 4.21
